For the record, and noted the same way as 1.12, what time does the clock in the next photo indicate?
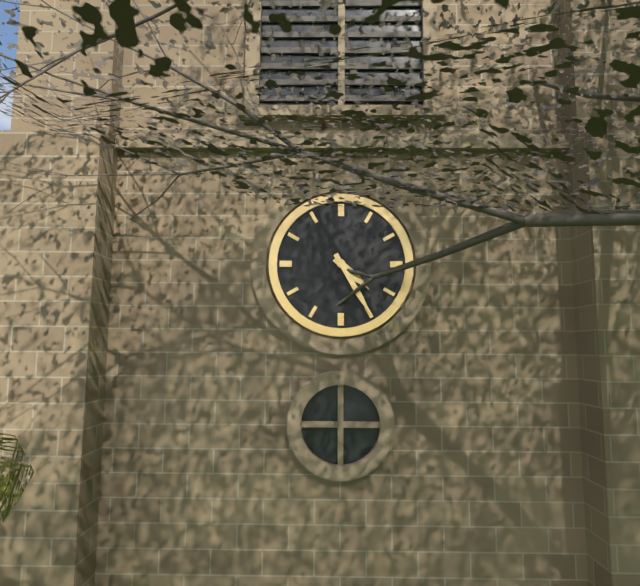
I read 4.25
